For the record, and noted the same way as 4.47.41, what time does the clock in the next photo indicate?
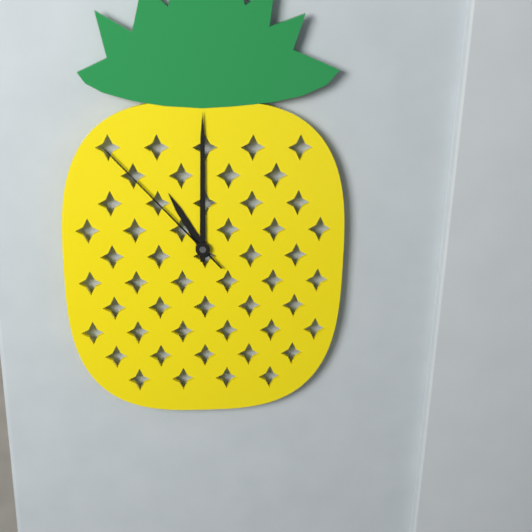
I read 11.00.53
